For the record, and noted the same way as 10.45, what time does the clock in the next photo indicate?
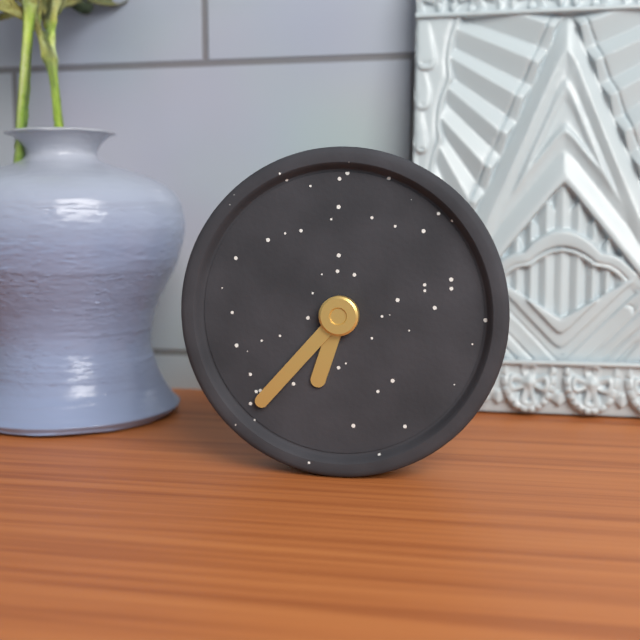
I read 6.37
